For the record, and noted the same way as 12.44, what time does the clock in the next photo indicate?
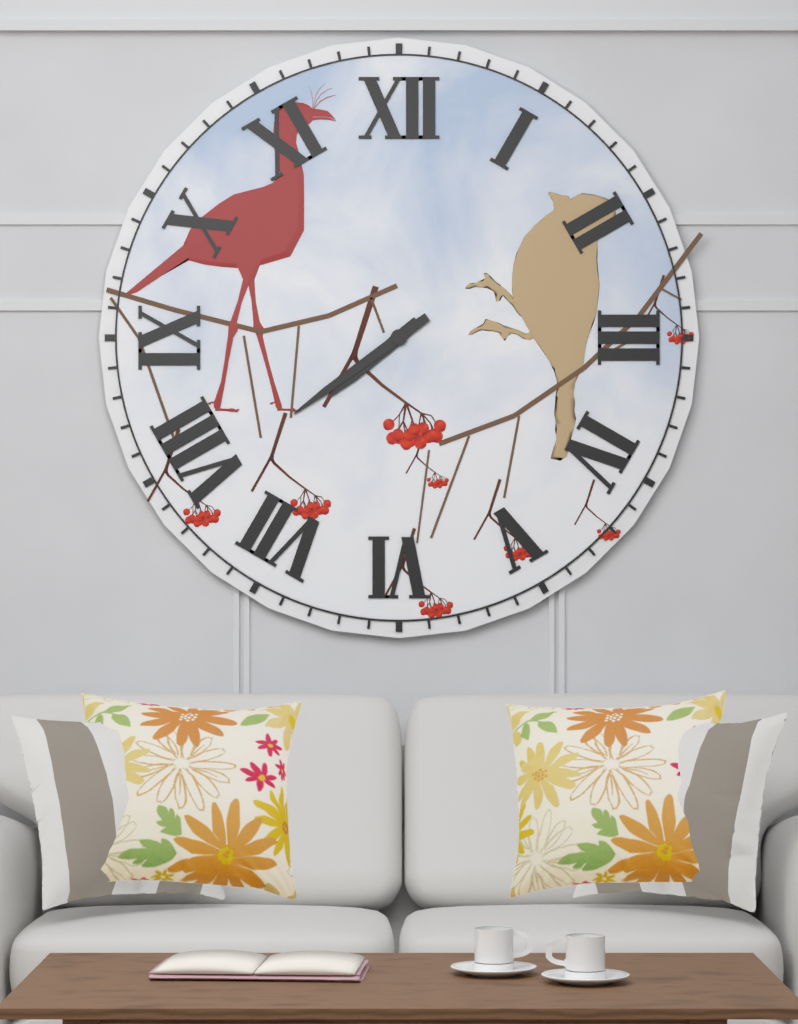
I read 7.39
